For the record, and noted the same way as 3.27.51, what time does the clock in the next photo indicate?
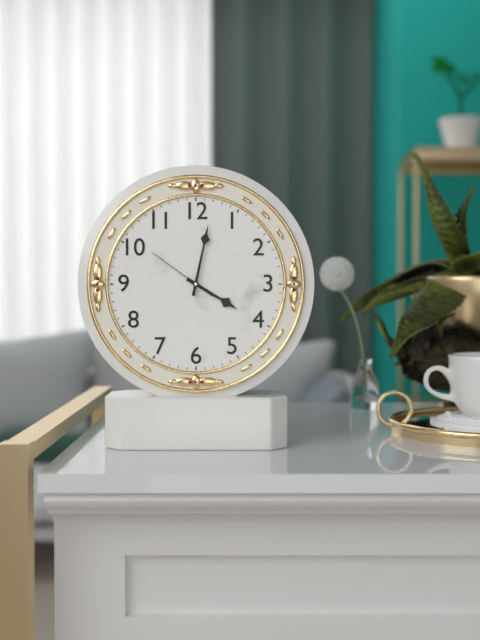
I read 4.02.51
